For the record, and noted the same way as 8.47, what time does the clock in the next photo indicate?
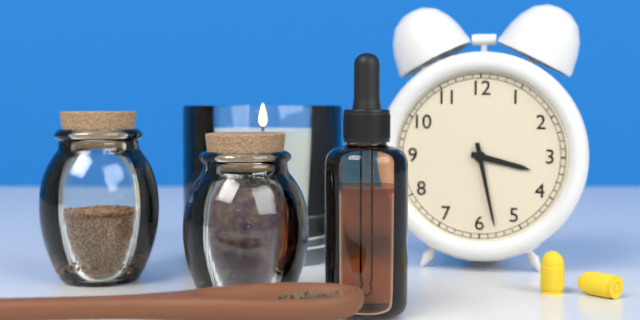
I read 3.28
